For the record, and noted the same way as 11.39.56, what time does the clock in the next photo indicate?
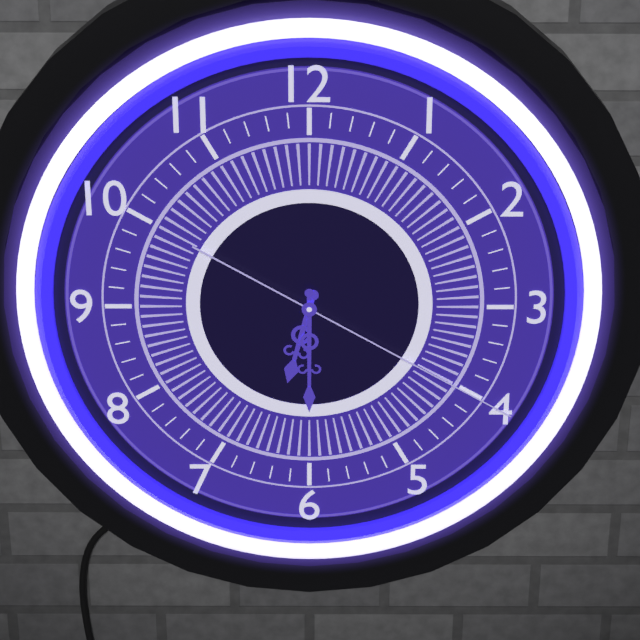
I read 6.30.20
